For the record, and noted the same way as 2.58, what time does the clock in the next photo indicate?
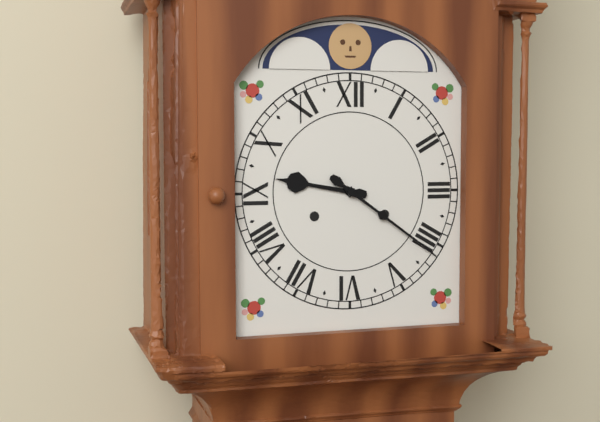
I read 9.21
